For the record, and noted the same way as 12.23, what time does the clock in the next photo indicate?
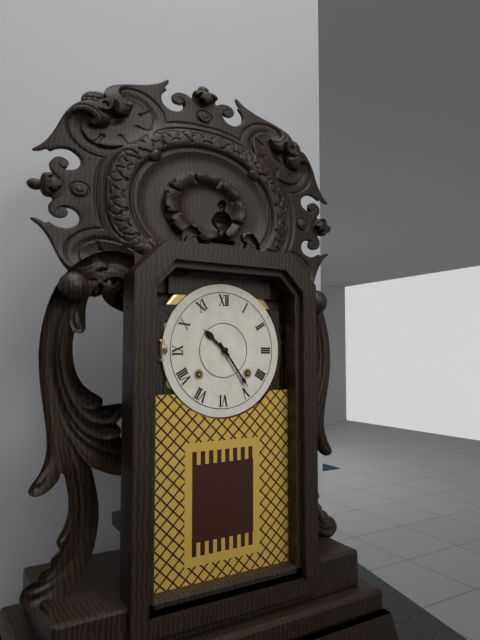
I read 10.24
